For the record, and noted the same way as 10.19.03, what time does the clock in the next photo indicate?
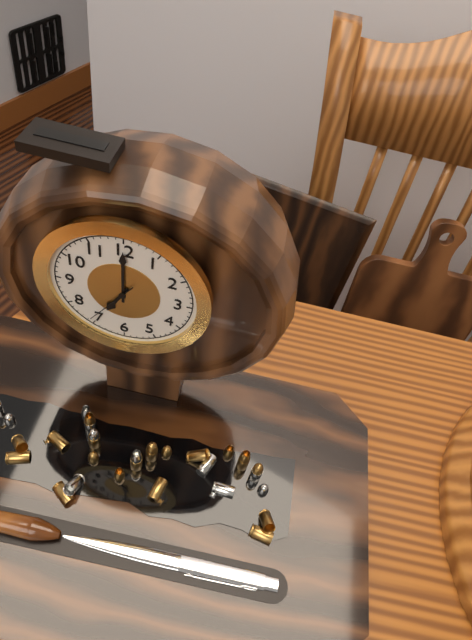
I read 7.00.36
